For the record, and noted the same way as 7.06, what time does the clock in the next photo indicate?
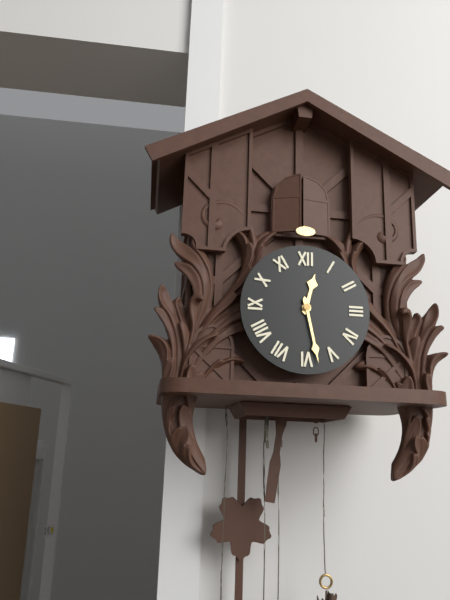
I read 12.28
